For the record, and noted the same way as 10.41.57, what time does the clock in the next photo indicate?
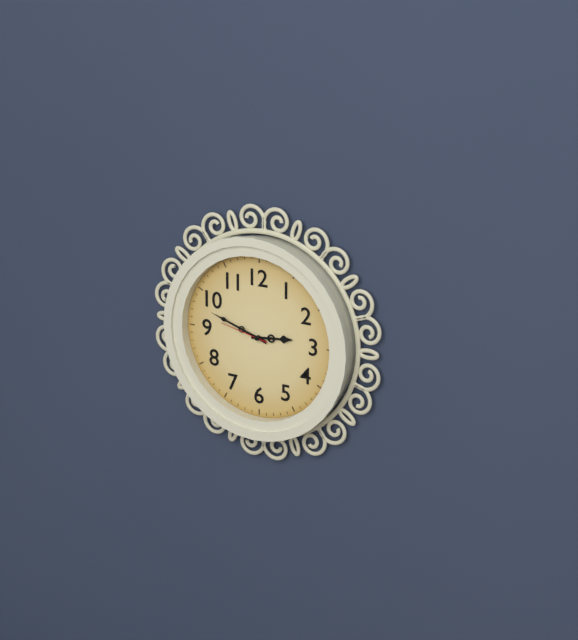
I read 2.48.47
